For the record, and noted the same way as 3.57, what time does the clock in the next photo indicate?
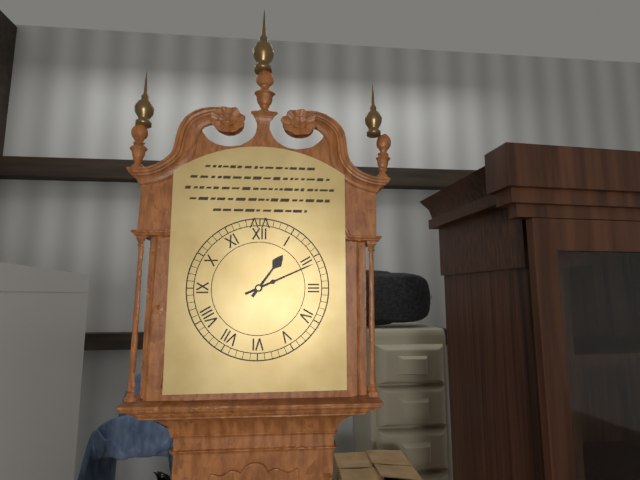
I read 1.11
